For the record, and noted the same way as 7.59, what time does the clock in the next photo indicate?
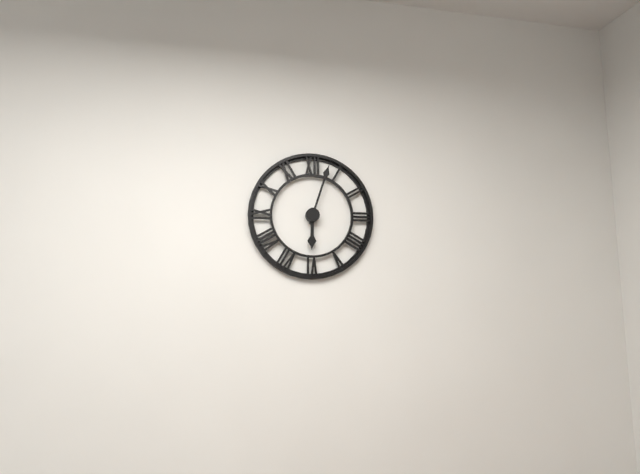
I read 6.03
